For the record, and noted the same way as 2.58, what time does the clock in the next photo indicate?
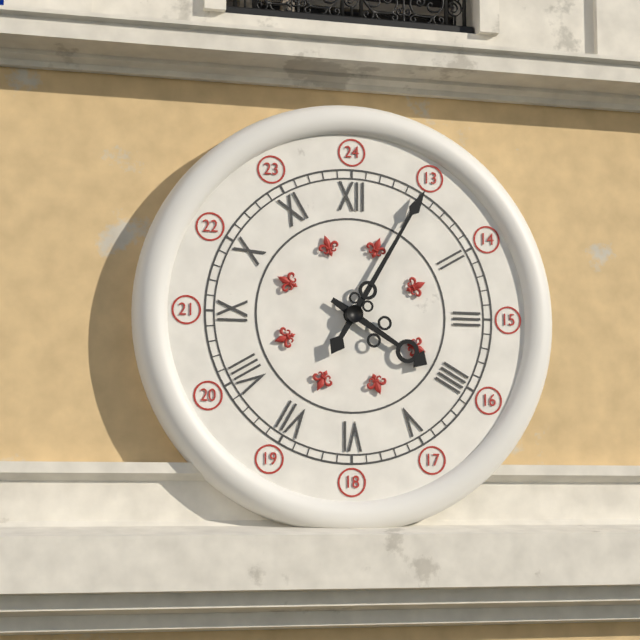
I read 4.05
